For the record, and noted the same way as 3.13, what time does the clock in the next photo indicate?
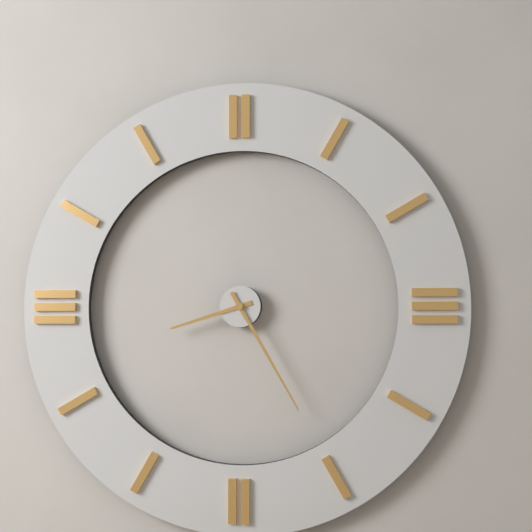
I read 8.25
